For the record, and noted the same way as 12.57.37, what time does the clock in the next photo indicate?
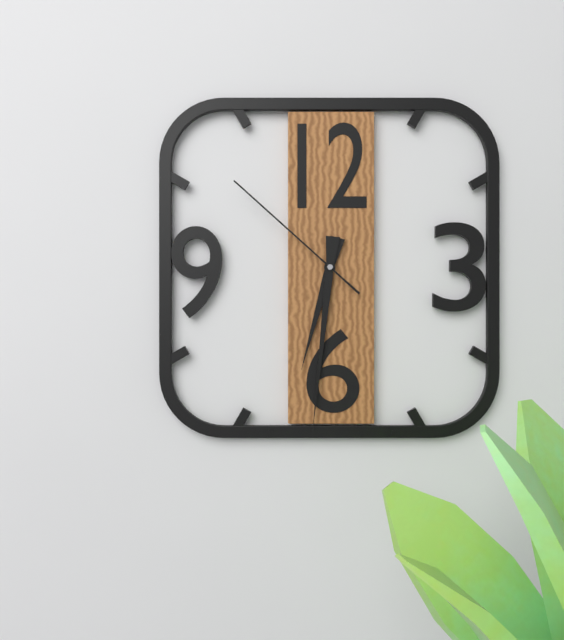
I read 6.31.52
